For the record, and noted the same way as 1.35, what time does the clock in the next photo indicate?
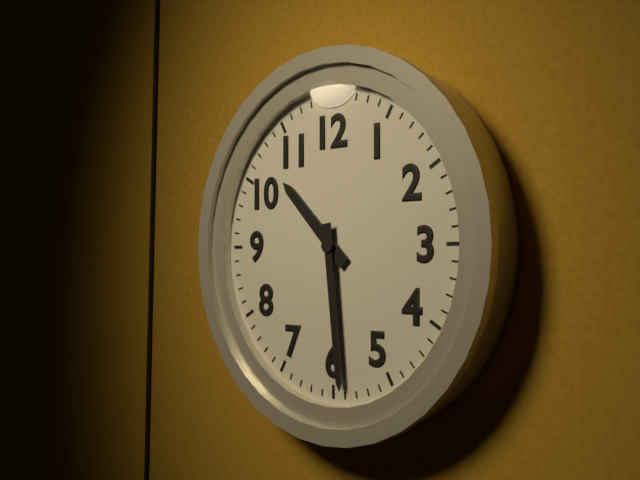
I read 10.29
